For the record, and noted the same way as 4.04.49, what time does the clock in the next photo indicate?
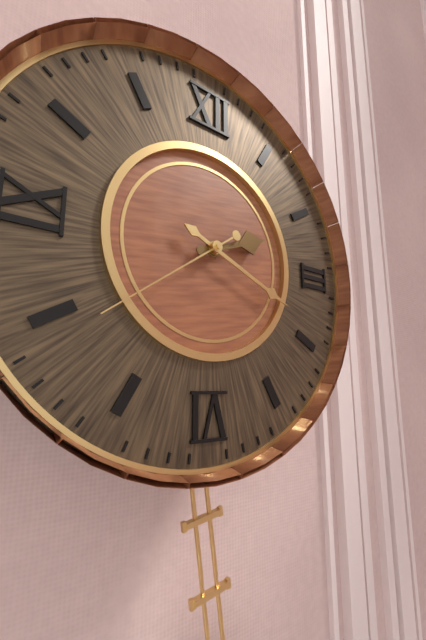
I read 2.19.39
